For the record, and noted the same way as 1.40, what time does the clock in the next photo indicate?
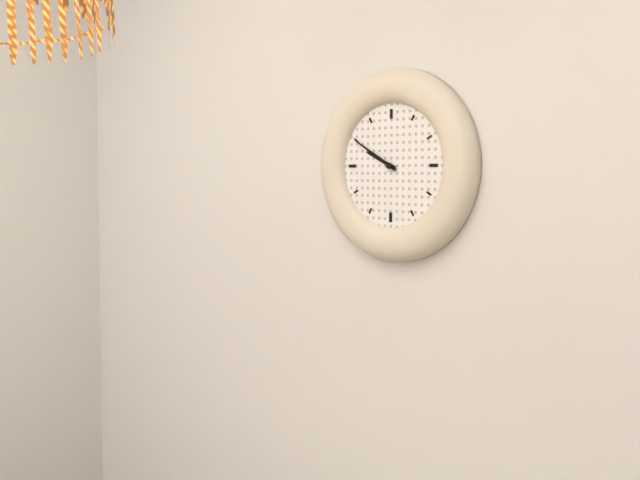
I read 9.50
